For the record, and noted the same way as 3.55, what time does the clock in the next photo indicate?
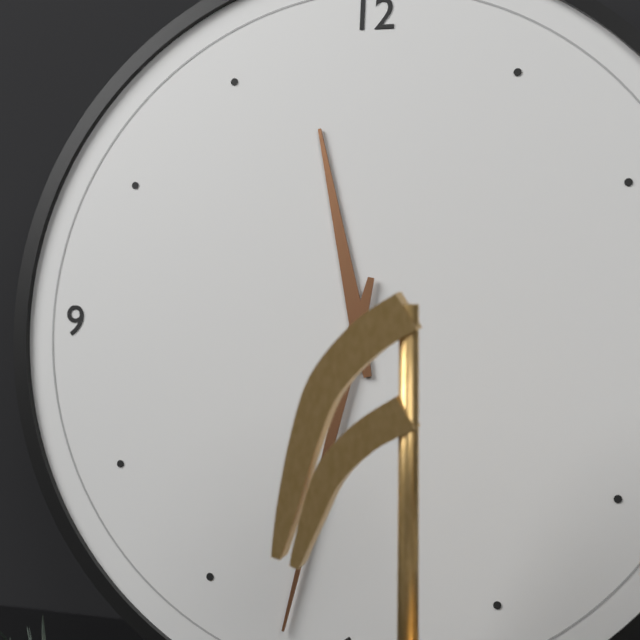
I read 11.32
